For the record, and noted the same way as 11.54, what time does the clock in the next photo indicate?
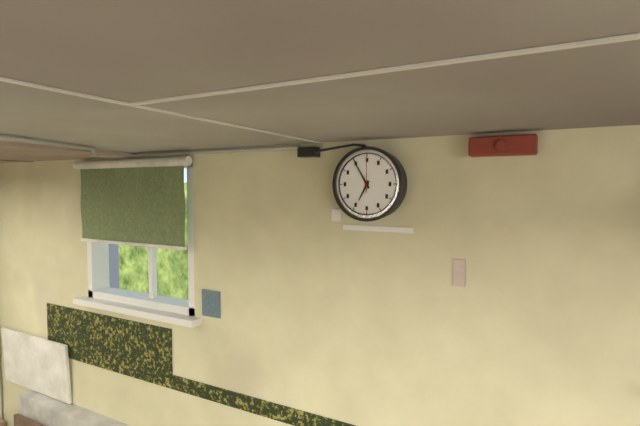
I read 6.55
